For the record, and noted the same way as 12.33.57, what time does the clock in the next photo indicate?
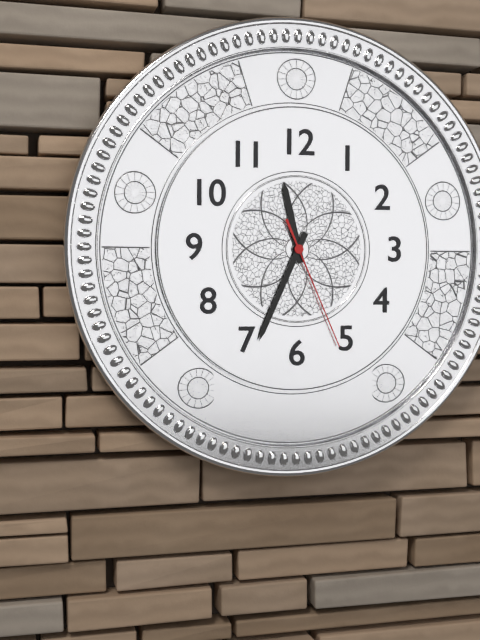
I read 11.34.26
